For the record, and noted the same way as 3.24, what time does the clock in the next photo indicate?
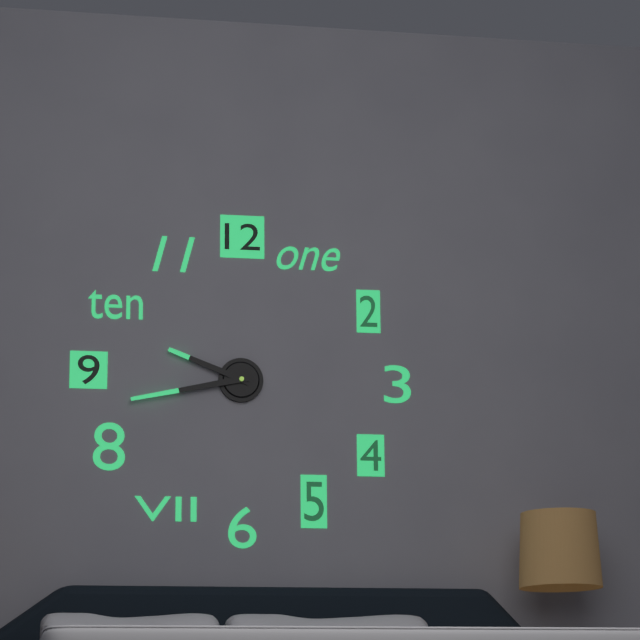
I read 9.43
